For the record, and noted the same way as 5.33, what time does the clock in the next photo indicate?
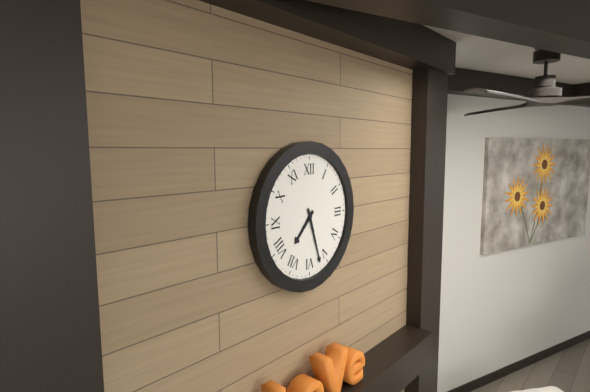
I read 7.27
